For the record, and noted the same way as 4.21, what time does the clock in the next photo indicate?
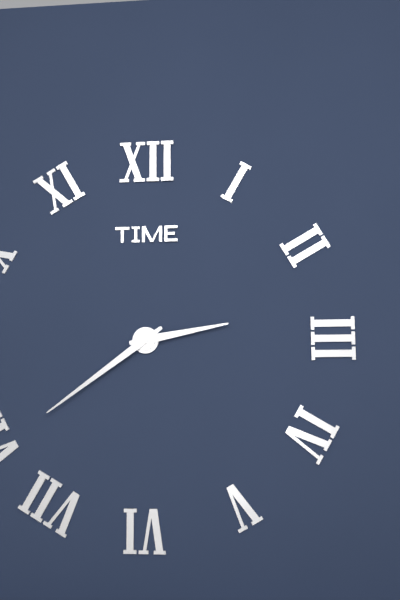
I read 2.39
